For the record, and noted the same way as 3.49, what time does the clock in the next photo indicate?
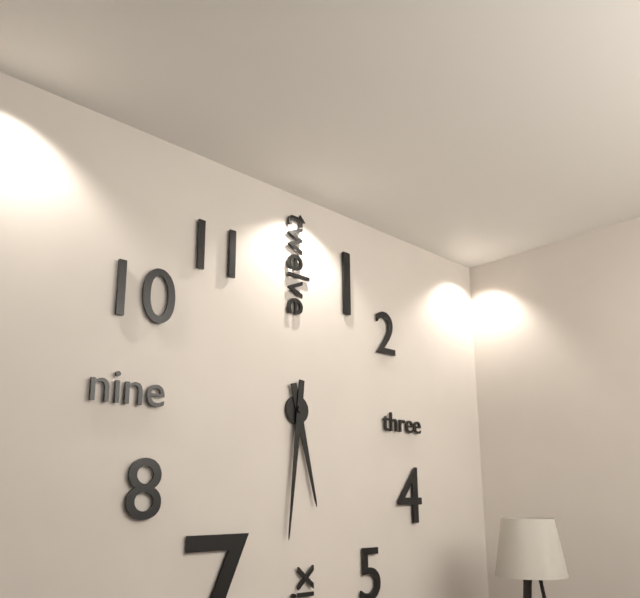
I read 5.31
